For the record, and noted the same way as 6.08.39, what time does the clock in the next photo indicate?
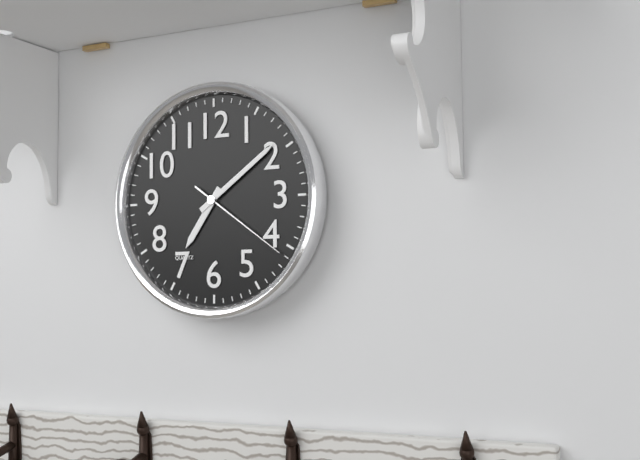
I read 7.09.21
